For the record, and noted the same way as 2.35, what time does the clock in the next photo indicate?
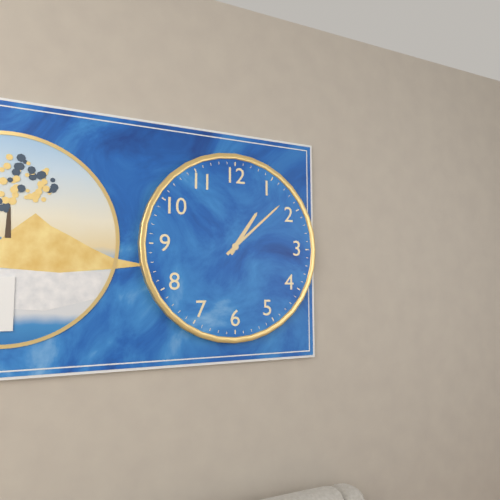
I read 1.08
